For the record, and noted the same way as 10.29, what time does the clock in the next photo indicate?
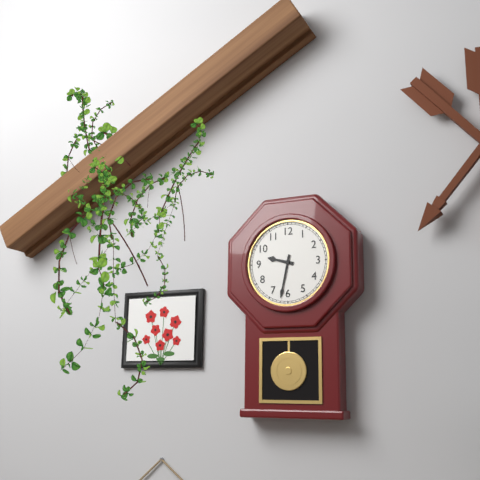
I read 9.32
